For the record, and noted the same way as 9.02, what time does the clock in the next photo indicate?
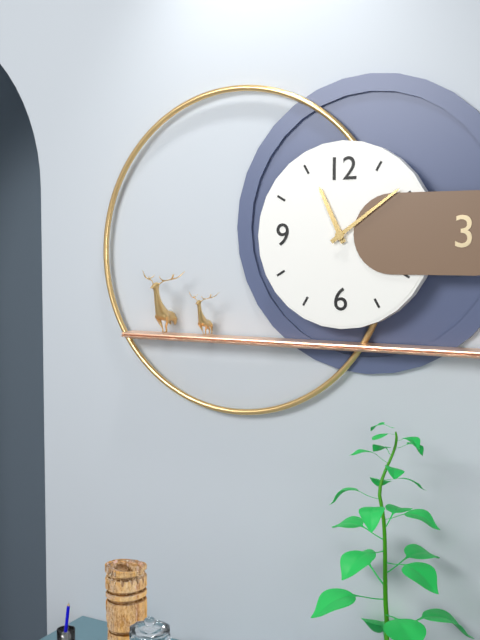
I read 11.09
